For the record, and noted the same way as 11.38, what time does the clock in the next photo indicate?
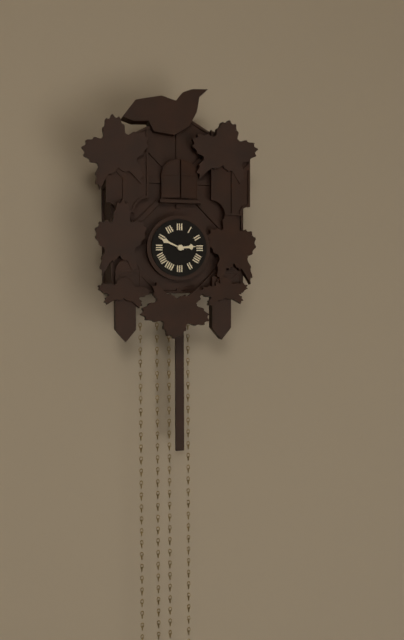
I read 2.49
